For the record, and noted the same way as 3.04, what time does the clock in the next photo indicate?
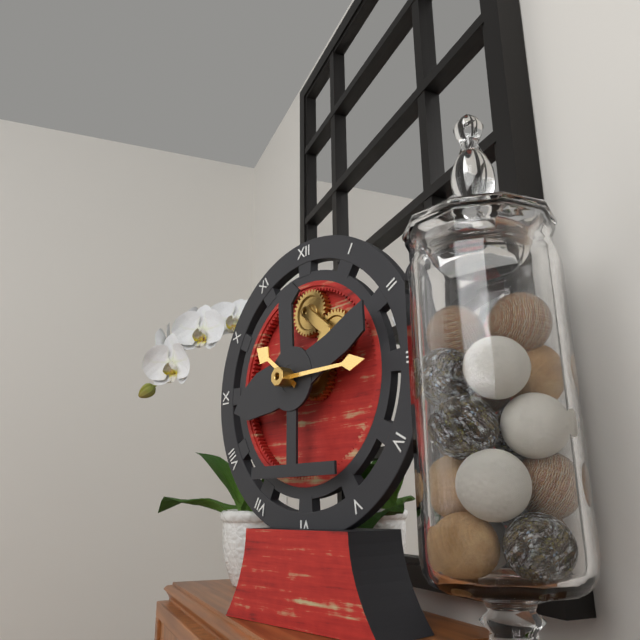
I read 10.15
